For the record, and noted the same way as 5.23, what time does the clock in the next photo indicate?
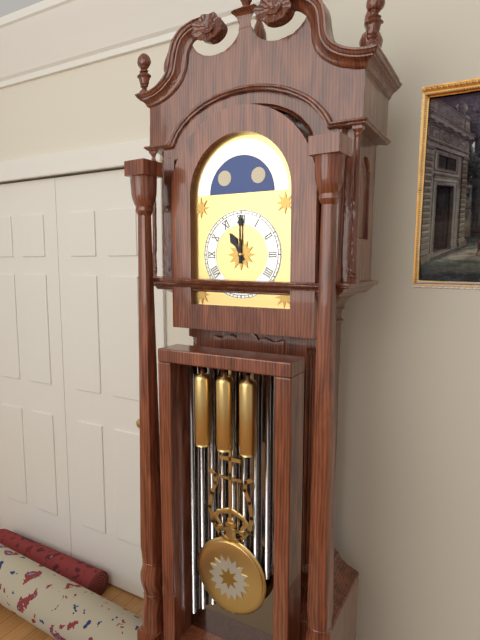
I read 11.00
